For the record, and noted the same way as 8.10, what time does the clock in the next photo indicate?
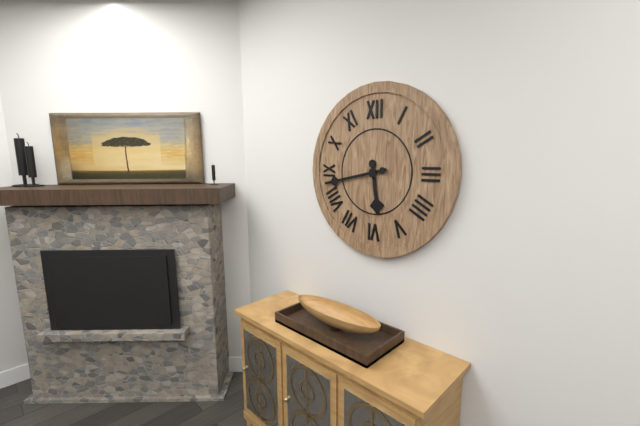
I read 5.43
